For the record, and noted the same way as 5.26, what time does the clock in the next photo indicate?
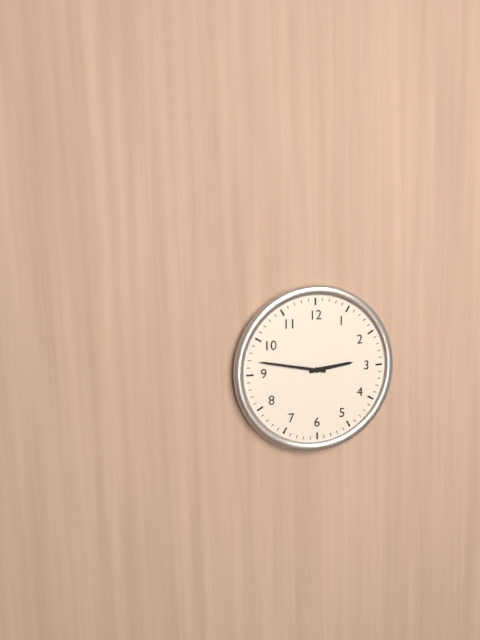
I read 2.47
